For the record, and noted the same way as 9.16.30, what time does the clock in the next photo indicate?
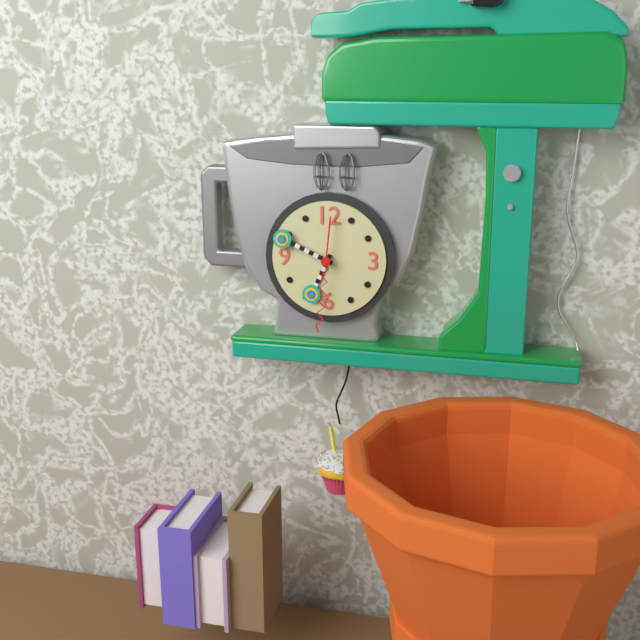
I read 6.49.31
